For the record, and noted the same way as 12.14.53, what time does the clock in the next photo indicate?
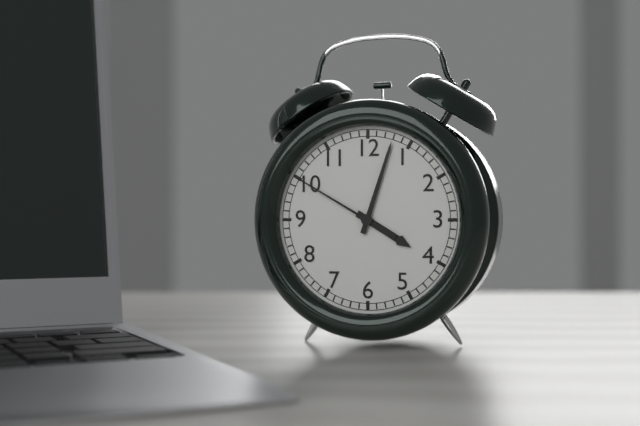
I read 4.03.50
